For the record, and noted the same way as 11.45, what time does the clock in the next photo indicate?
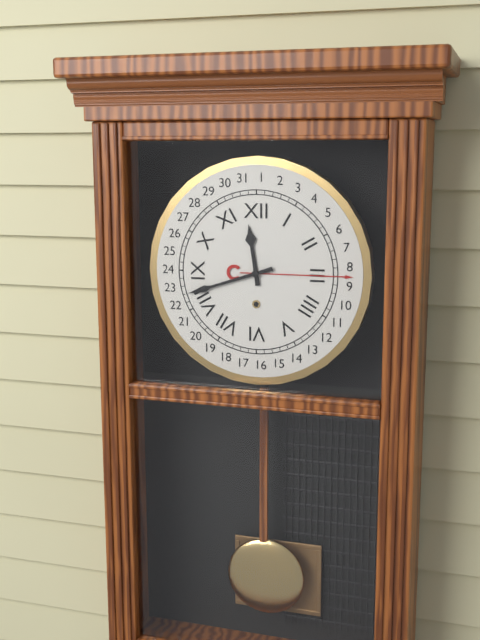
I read 11.42
